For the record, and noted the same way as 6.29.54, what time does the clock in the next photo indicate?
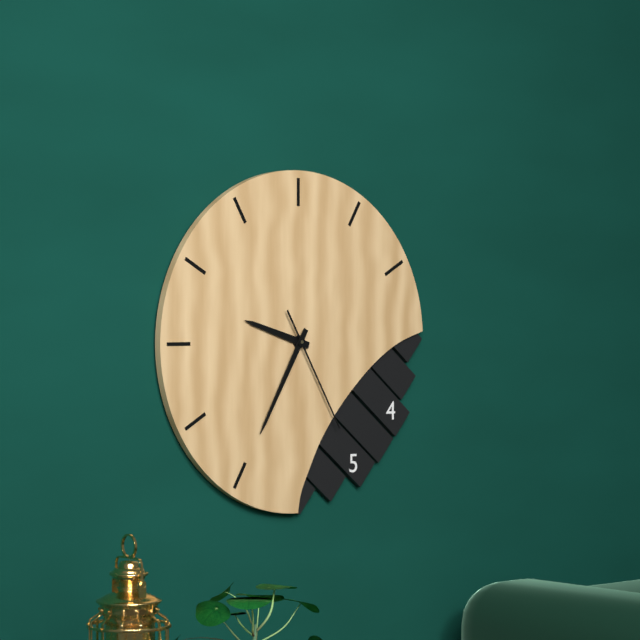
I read 9.35.25
